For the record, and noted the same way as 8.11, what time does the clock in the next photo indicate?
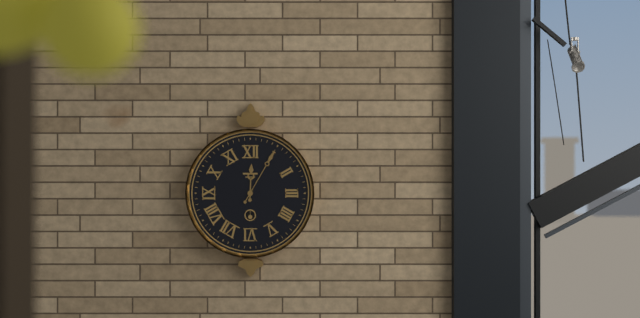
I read 12.05
